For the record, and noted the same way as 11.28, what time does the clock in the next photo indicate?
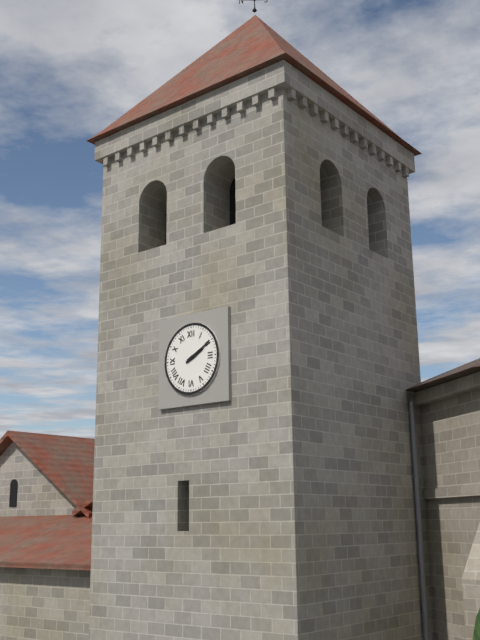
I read 2.10
